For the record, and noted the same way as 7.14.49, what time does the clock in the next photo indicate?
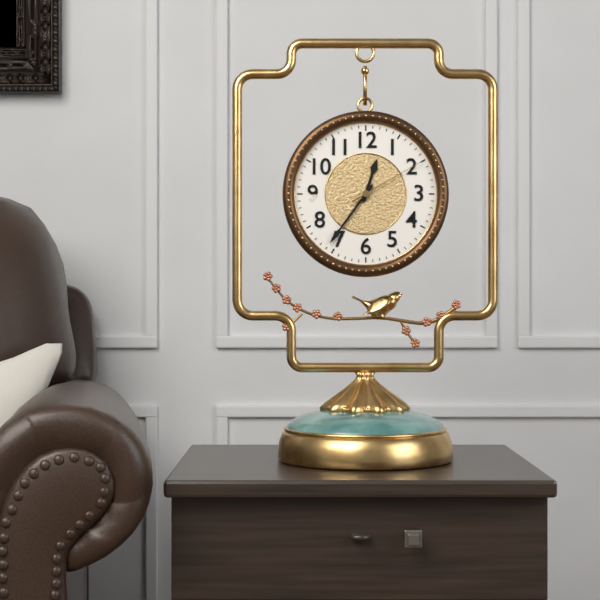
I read 12.36.10
